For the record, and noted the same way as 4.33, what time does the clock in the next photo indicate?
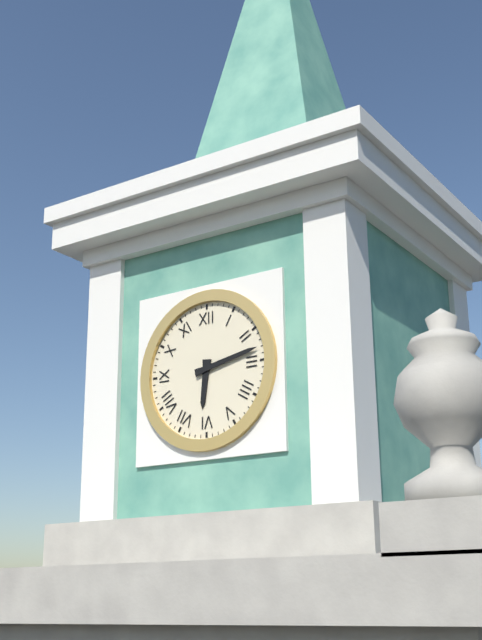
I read 6.13
